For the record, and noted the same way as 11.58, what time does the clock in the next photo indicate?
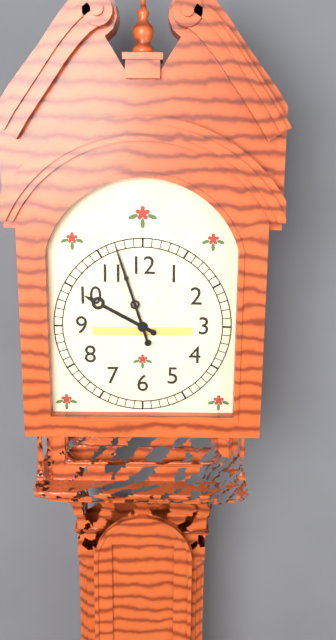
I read 9.57
